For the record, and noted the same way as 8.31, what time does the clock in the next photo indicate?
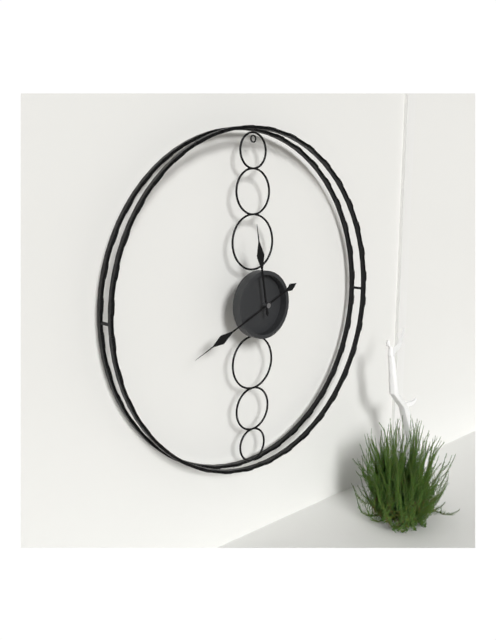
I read 11.41
